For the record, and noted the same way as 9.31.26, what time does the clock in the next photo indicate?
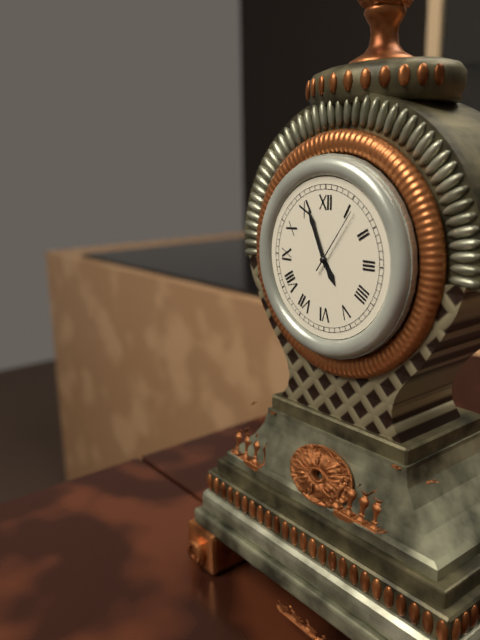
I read 4.56.06
